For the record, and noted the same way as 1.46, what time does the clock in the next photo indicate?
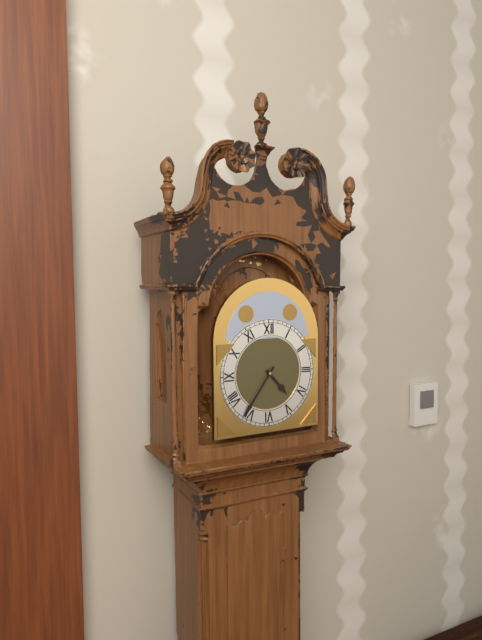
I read 4.36
